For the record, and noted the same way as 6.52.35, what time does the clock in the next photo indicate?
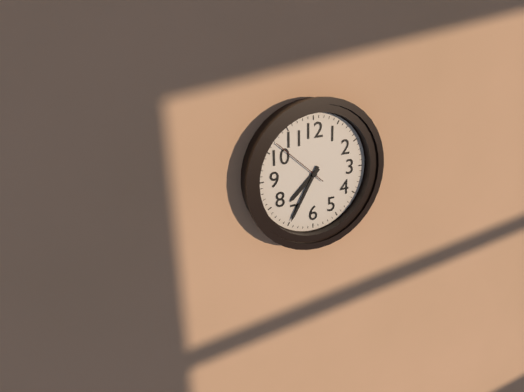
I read 7.35.52
